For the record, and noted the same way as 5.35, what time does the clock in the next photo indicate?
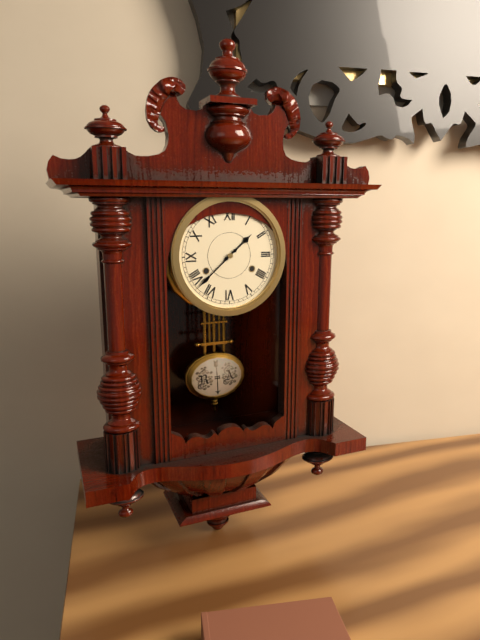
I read 1.38
